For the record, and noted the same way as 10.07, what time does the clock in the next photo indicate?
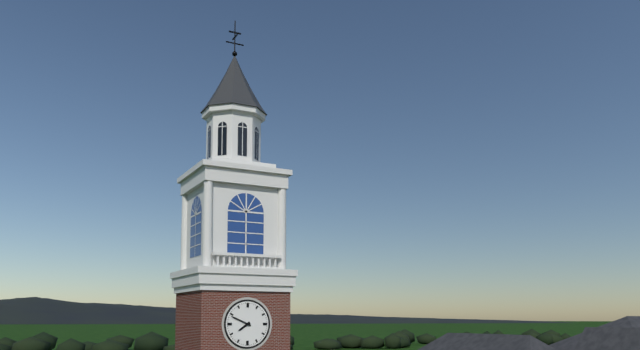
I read 7.49
